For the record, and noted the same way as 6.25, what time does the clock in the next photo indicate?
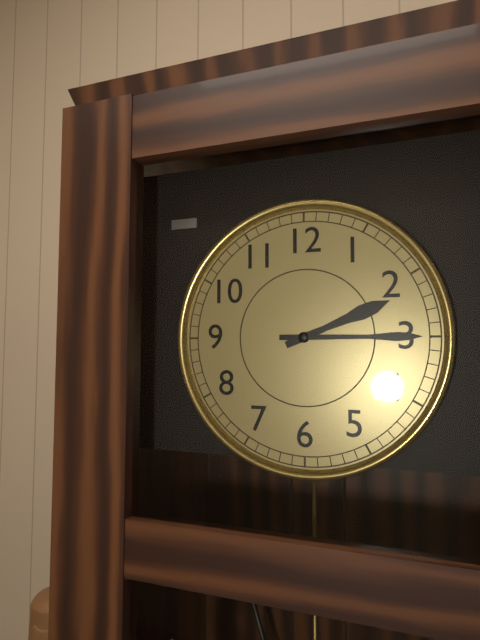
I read 2.15
